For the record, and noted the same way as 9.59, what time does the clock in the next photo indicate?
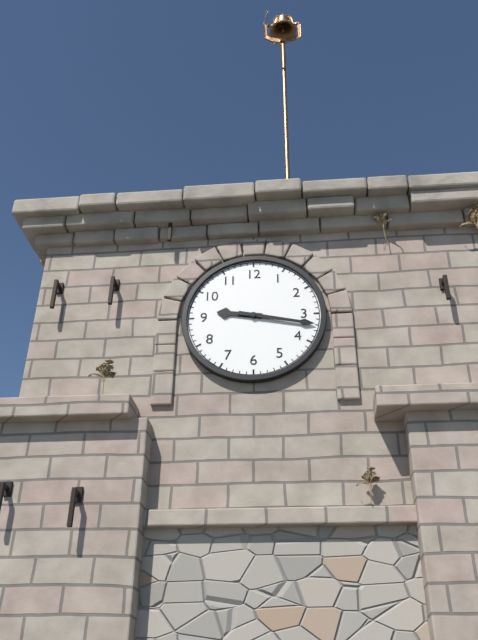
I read 9.17
